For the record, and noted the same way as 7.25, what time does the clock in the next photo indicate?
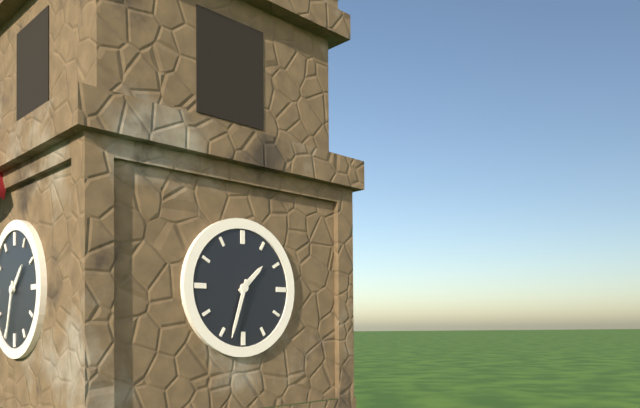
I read 1.33
